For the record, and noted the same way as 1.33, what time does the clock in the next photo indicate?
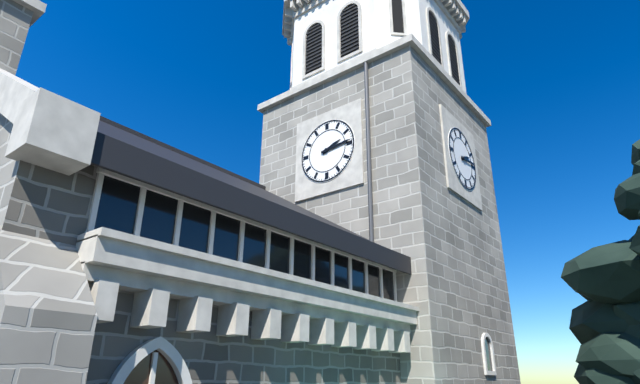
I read 2.14
